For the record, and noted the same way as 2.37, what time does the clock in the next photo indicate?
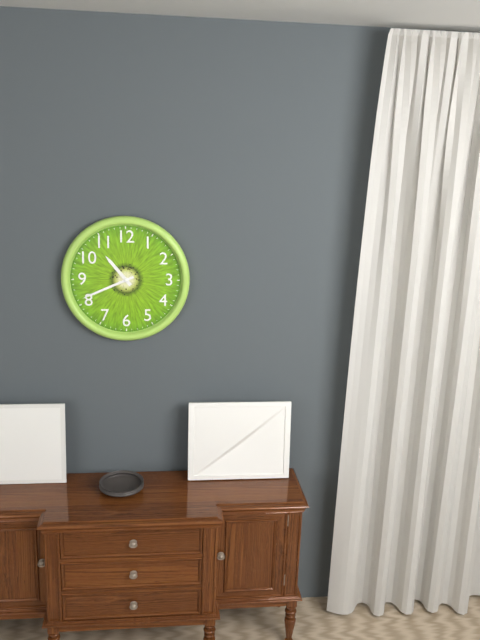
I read 10.41
